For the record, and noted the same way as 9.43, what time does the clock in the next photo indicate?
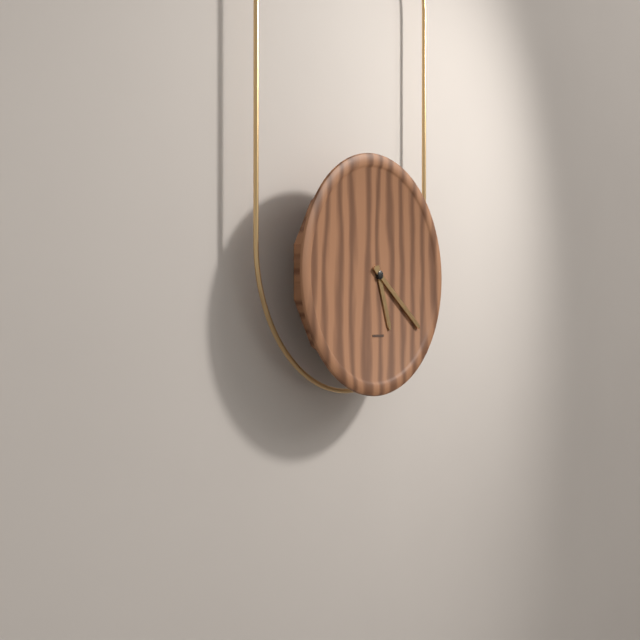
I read 5.21
